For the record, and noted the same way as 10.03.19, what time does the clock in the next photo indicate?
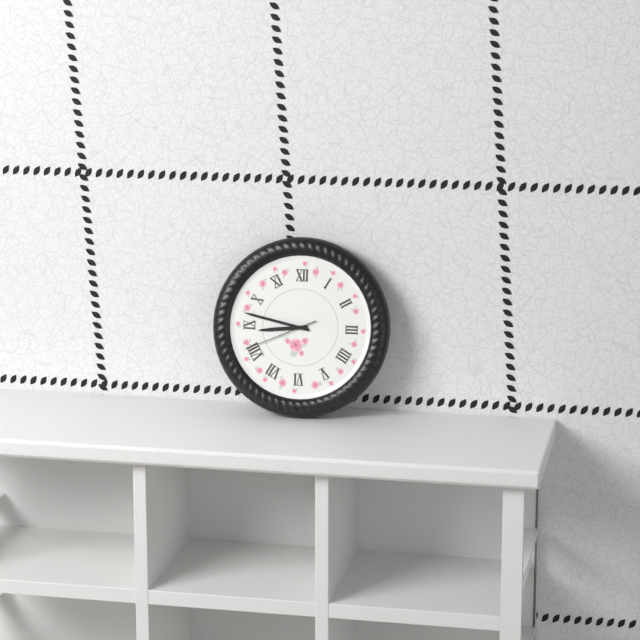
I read 8.47.41
